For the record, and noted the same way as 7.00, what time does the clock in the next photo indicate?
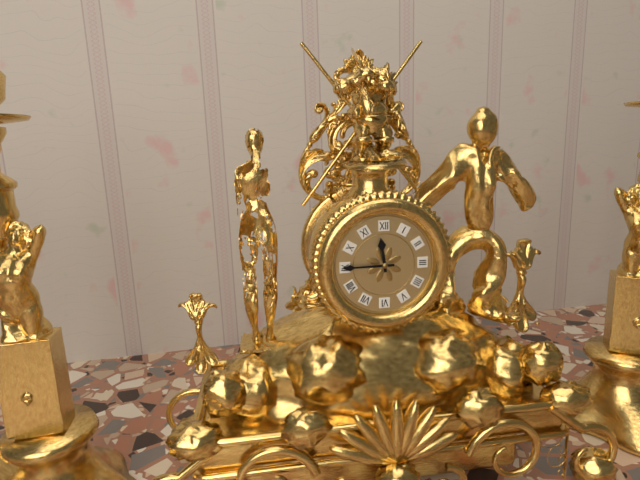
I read 11.45
